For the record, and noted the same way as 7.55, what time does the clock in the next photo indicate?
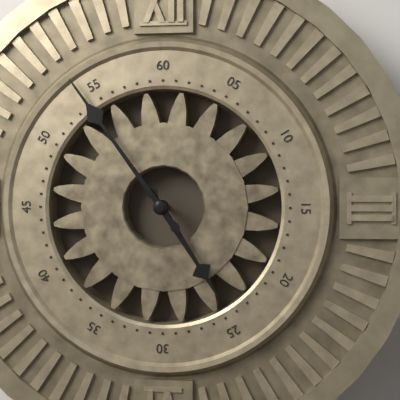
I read 4.54
